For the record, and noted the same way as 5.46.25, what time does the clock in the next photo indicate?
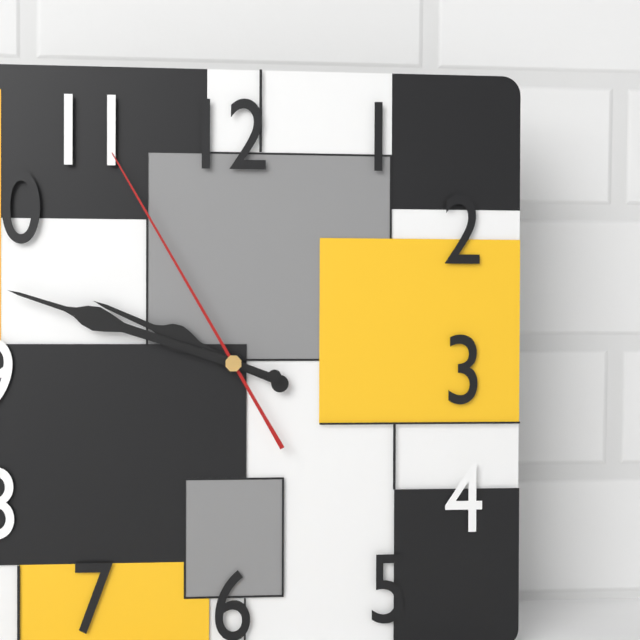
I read 9.48.55
